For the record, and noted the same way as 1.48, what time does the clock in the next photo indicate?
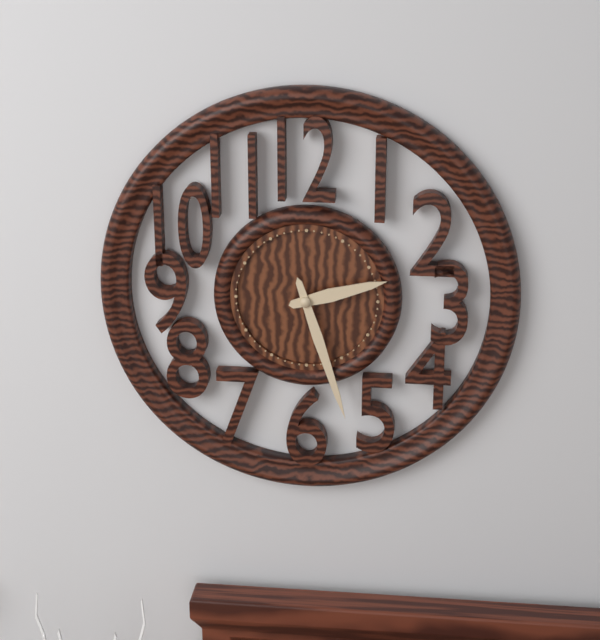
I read 2.27
